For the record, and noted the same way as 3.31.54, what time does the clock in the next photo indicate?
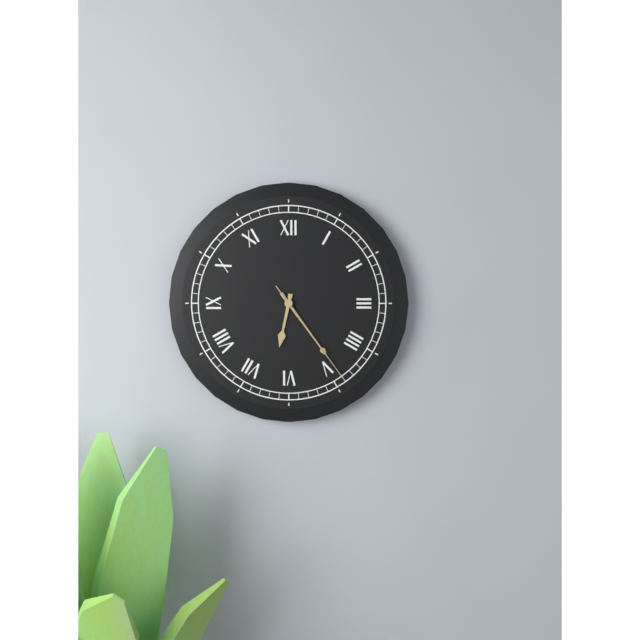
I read 6.24.24
